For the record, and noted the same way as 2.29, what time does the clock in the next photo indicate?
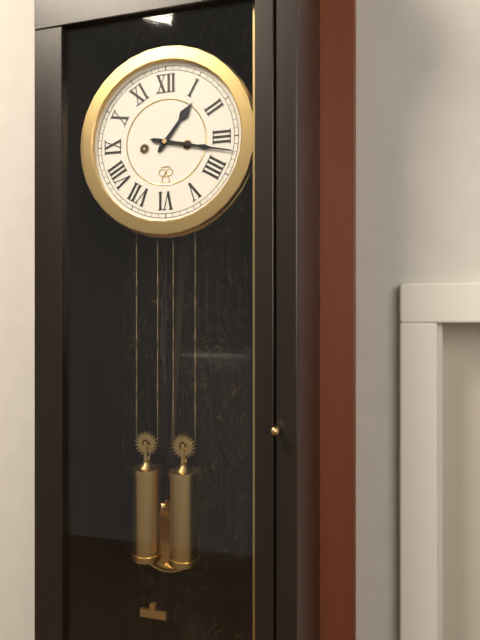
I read 1.17
